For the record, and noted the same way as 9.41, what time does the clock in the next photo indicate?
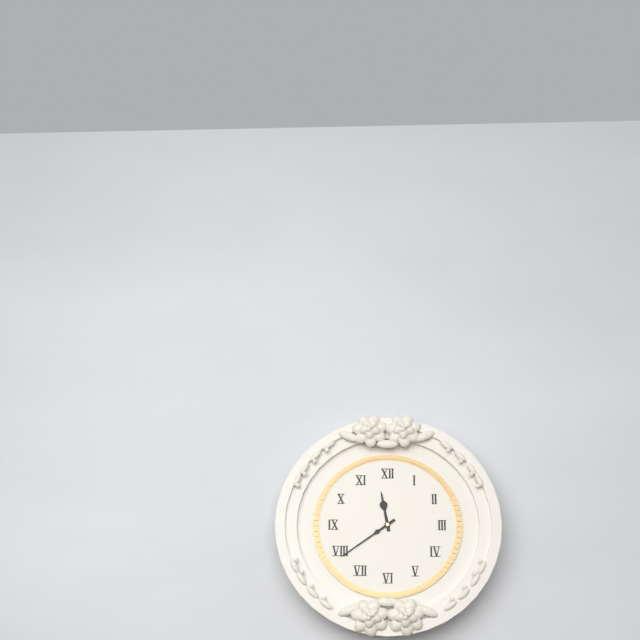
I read 11.39
